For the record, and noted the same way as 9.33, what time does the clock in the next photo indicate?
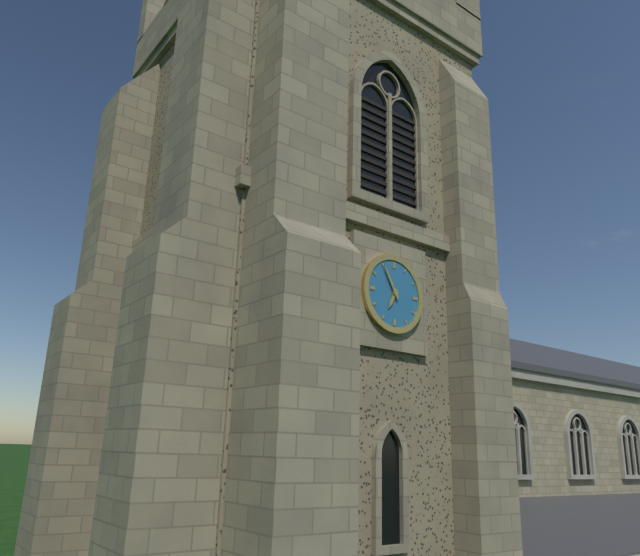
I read 6.55
